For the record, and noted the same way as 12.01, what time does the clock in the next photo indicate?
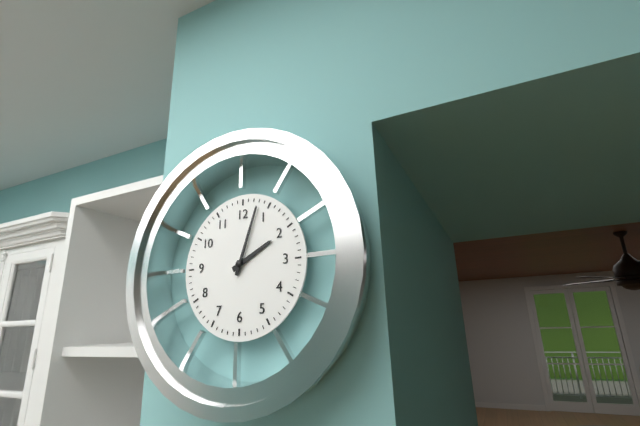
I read 2.03
